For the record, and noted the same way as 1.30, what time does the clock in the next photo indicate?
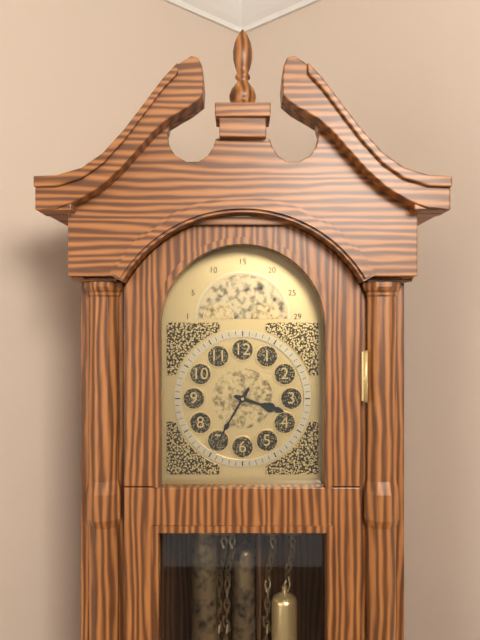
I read 3.35
